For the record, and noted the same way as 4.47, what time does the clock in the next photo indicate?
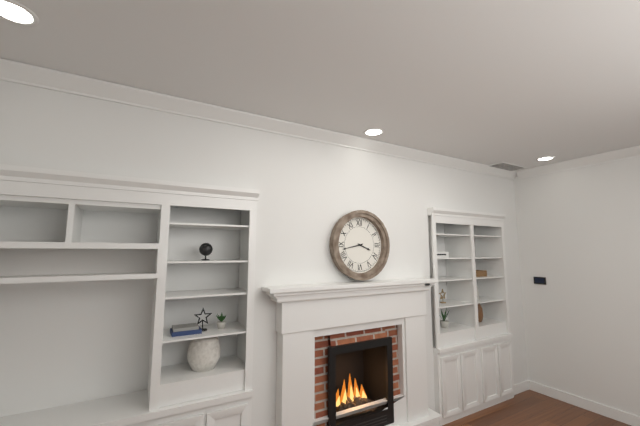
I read 3.43
